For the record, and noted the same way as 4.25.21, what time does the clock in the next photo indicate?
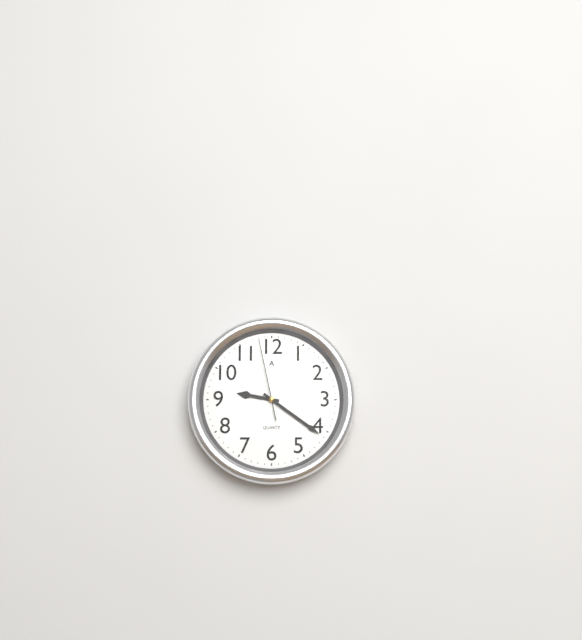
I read 9.21.58
